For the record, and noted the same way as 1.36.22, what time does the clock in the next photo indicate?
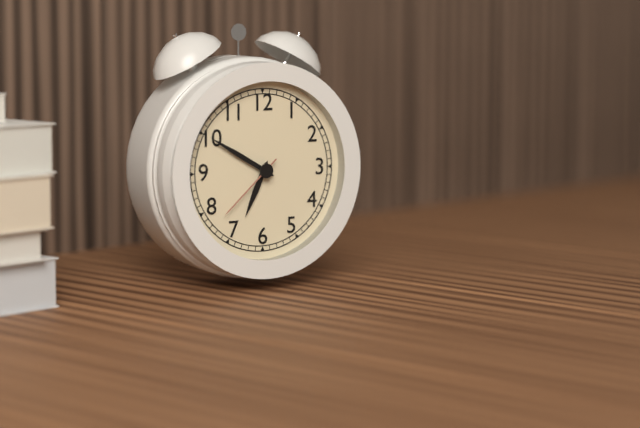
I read 6.50.38
